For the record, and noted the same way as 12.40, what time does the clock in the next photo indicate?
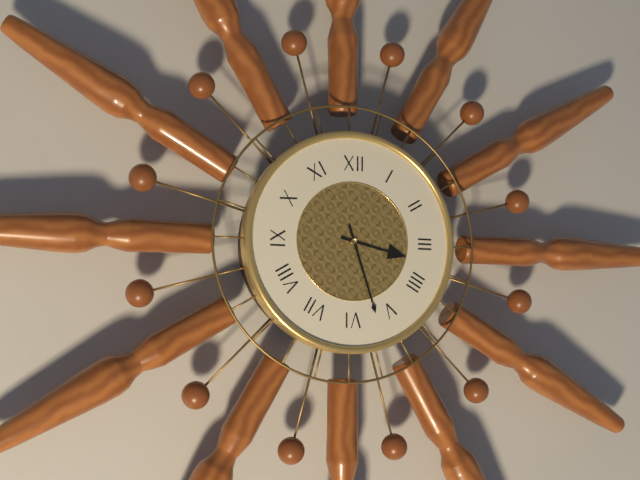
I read 3.27
